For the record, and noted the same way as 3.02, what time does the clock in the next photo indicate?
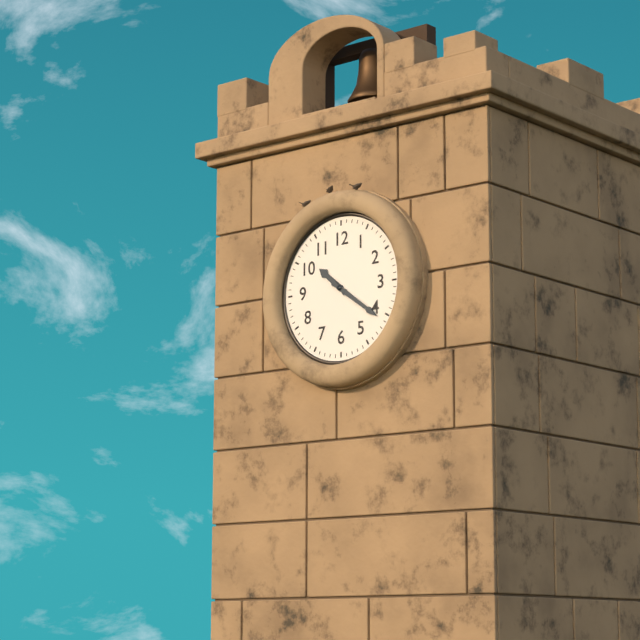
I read 10.21
